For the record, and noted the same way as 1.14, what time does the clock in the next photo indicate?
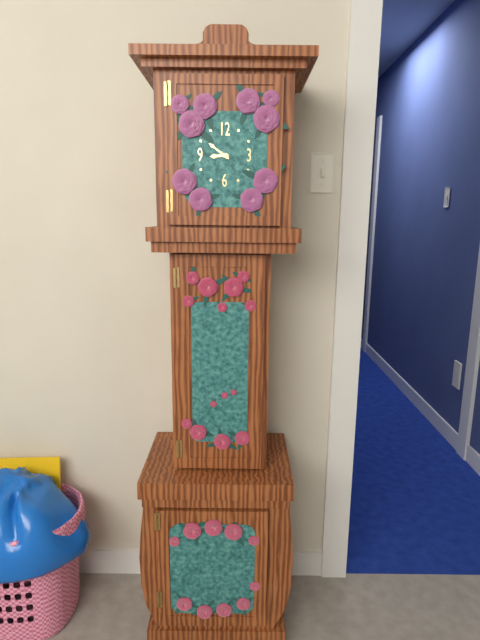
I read 8.51
